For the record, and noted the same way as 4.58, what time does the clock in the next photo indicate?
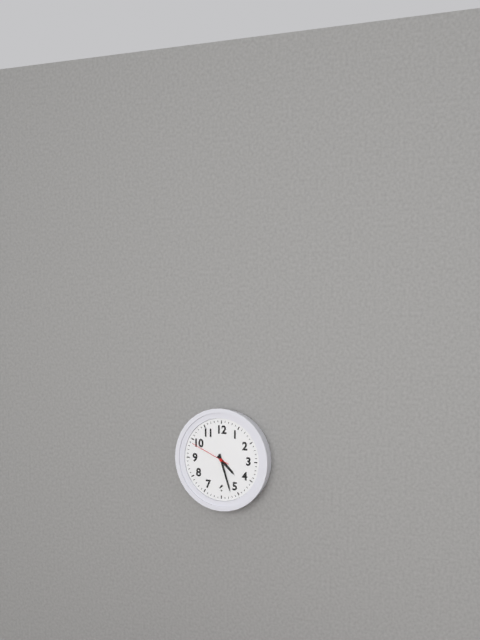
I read 4.27
